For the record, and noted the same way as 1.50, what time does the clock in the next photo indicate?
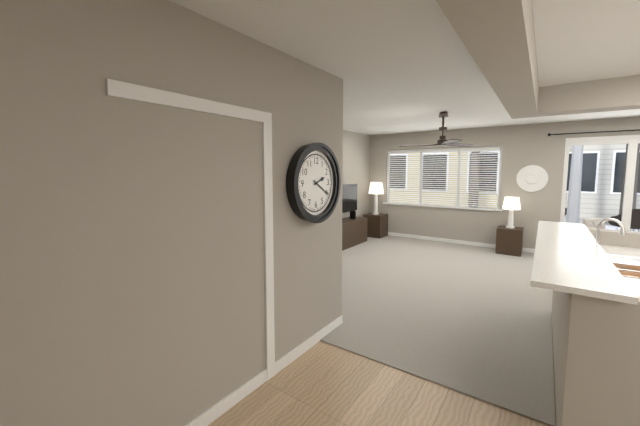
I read 2.20
